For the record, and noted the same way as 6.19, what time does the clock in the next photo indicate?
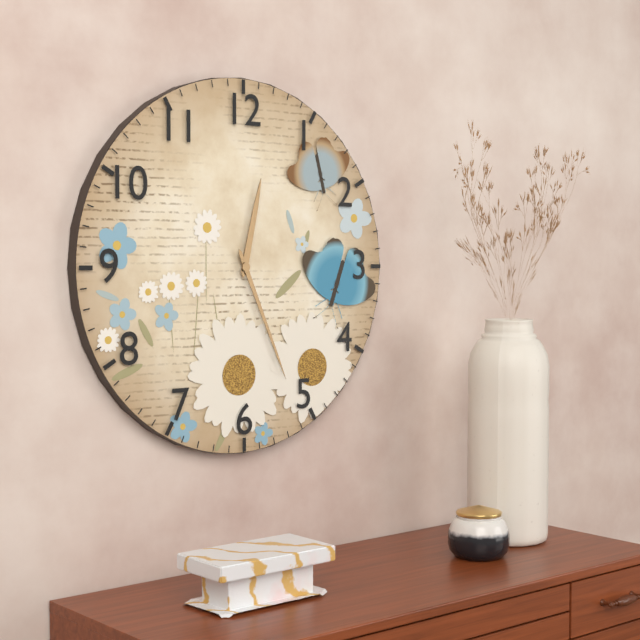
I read 12.26
